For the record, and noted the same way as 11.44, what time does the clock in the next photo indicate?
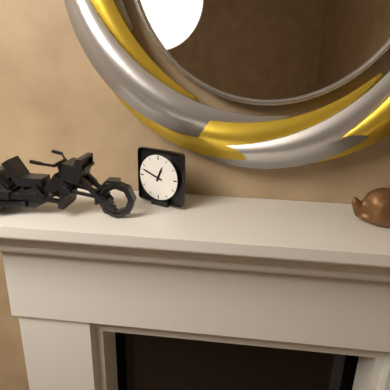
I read 12.48
